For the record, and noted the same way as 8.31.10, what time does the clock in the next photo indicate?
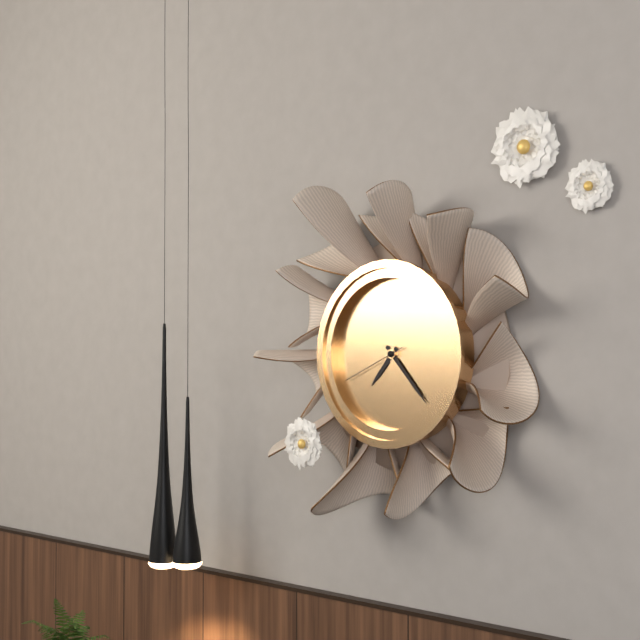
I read 7.23.41
